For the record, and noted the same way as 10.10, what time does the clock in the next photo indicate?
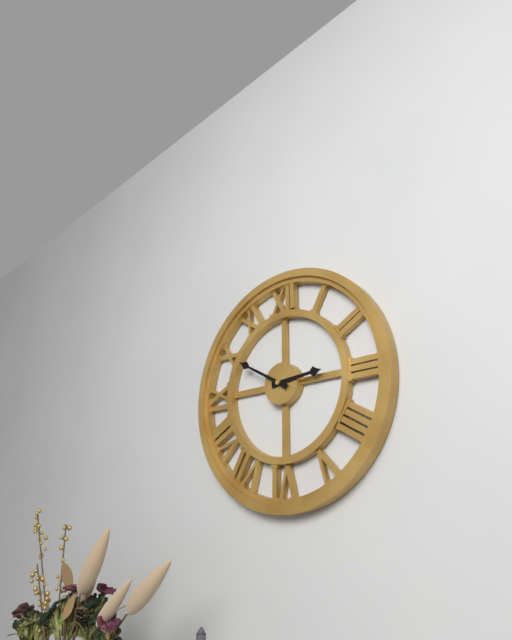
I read 2.50
